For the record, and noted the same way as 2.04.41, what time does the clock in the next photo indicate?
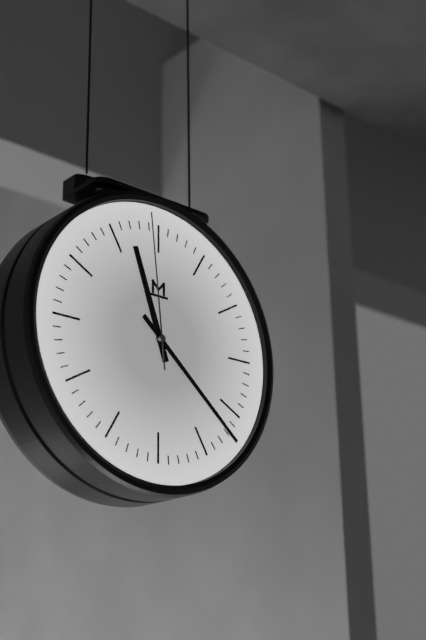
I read 11.22.59
